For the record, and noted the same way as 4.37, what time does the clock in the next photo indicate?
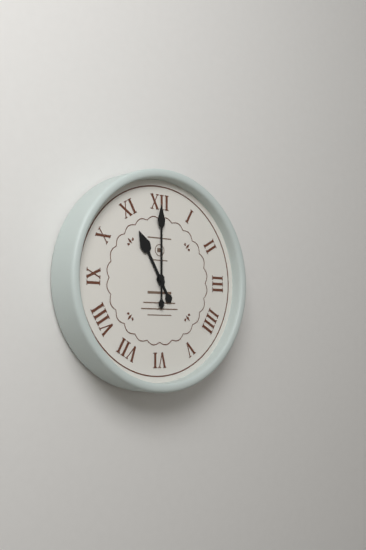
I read 11.00
